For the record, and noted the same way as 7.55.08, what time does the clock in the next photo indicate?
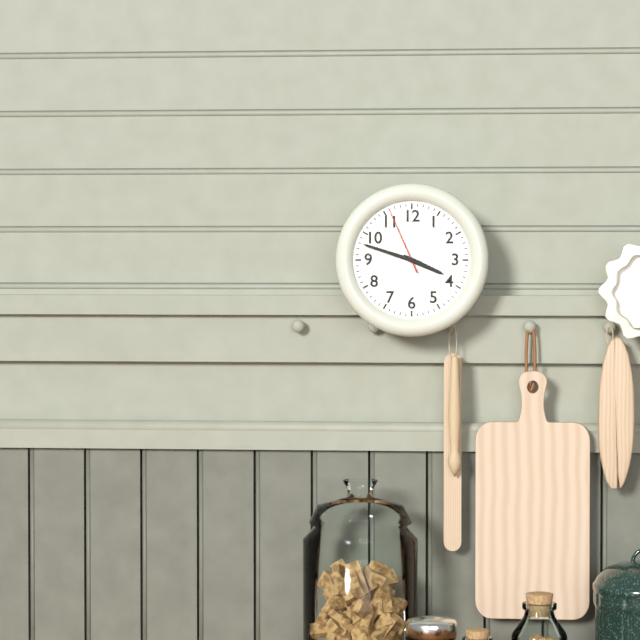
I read 3.48.56
